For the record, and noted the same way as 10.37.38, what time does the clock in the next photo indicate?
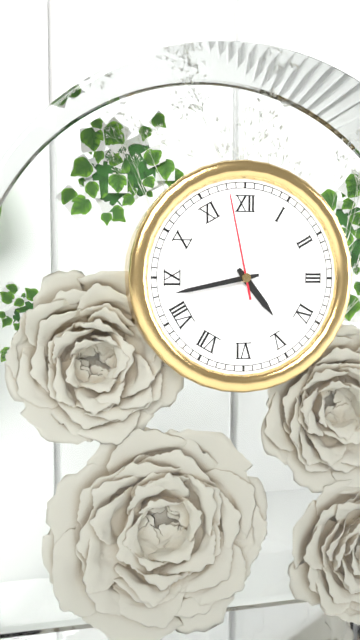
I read 4.43.58
